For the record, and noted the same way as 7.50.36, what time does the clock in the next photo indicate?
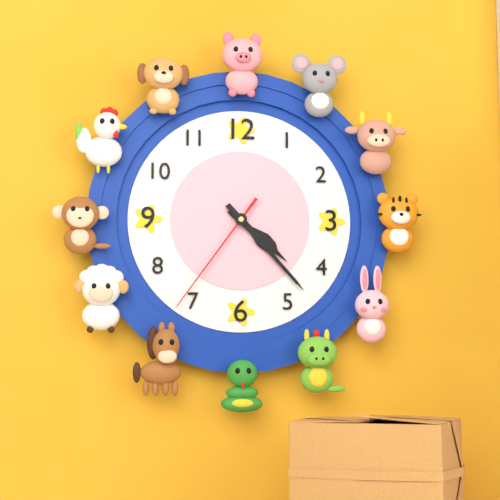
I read 4.23.36
